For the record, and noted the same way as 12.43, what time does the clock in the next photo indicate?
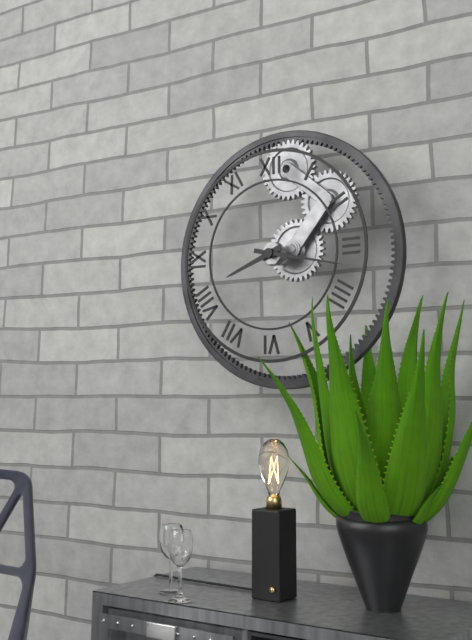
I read 8.17
